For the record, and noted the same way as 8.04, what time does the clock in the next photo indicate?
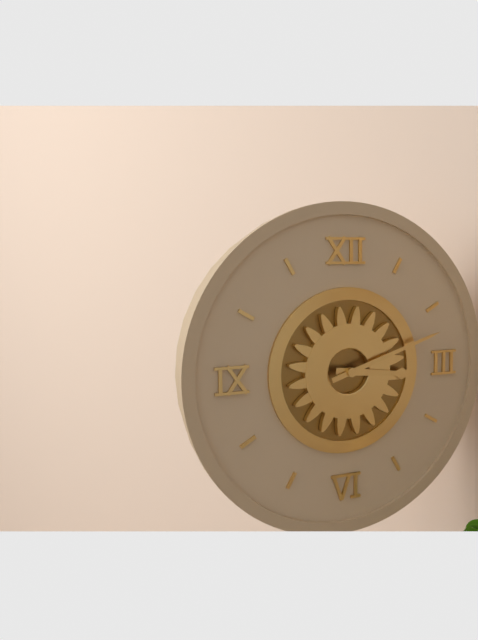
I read 3.12
